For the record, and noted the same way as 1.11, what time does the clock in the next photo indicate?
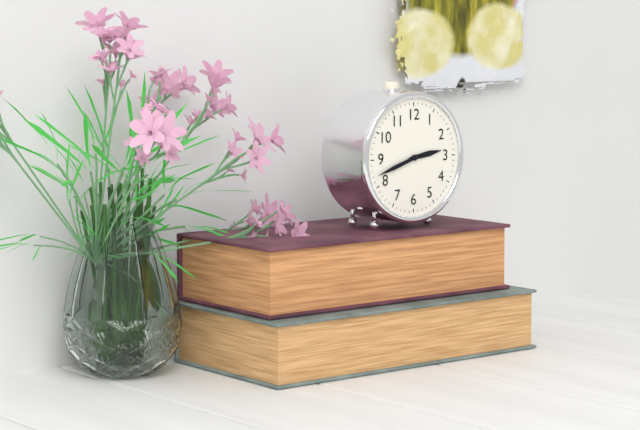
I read 2.42
